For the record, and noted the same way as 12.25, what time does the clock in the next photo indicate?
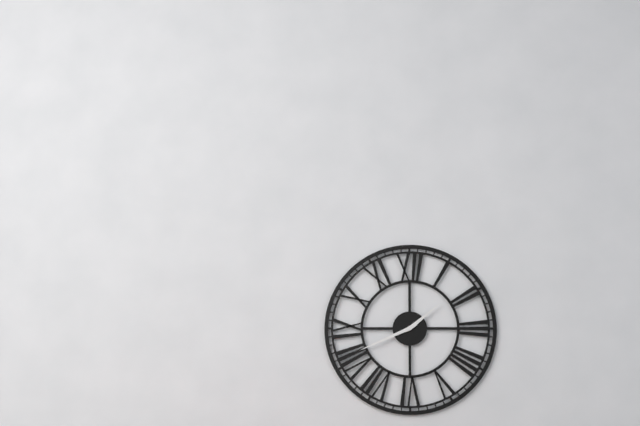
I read 1.41
